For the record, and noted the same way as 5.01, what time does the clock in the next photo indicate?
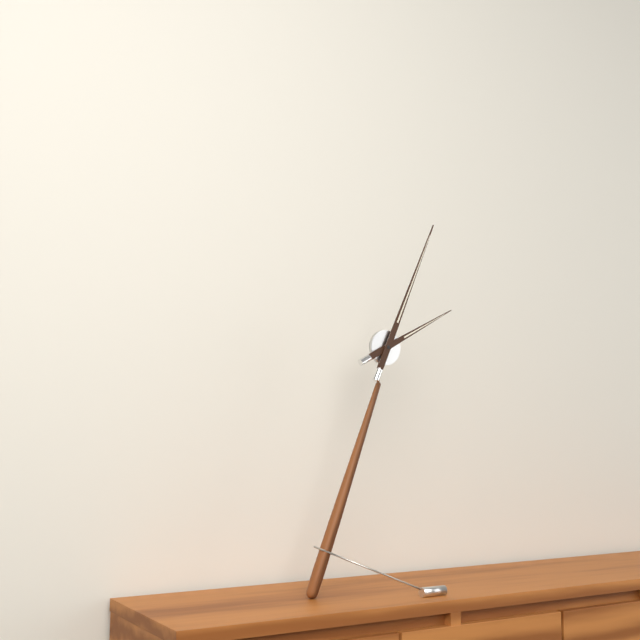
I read 2.04
